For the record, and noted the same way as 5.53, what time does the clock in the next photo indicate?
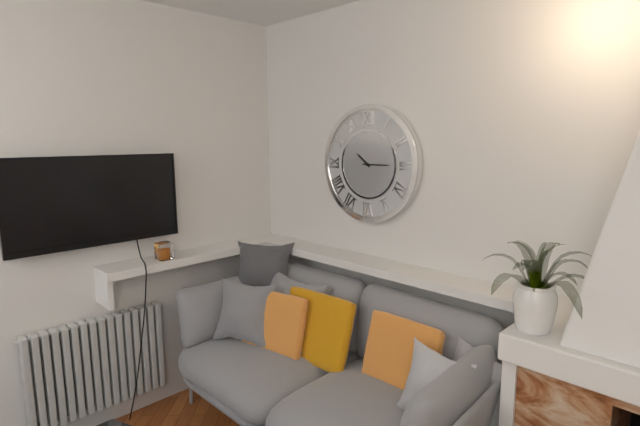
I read 10.15
